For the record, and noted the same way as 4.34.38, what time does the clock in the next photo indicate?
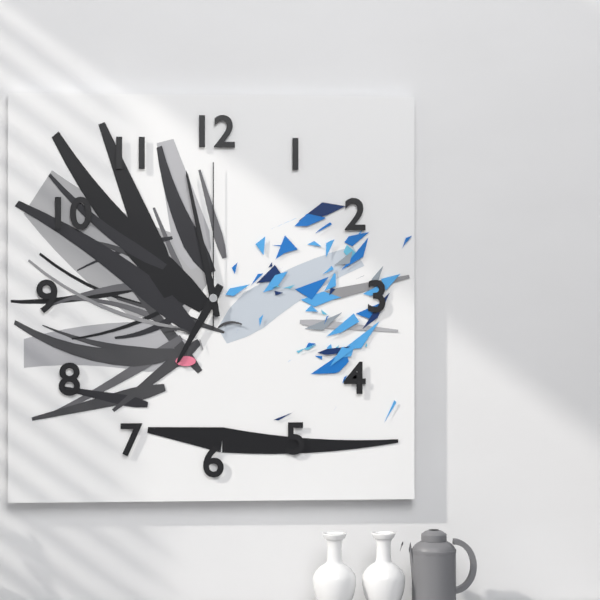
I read 6.58.00
